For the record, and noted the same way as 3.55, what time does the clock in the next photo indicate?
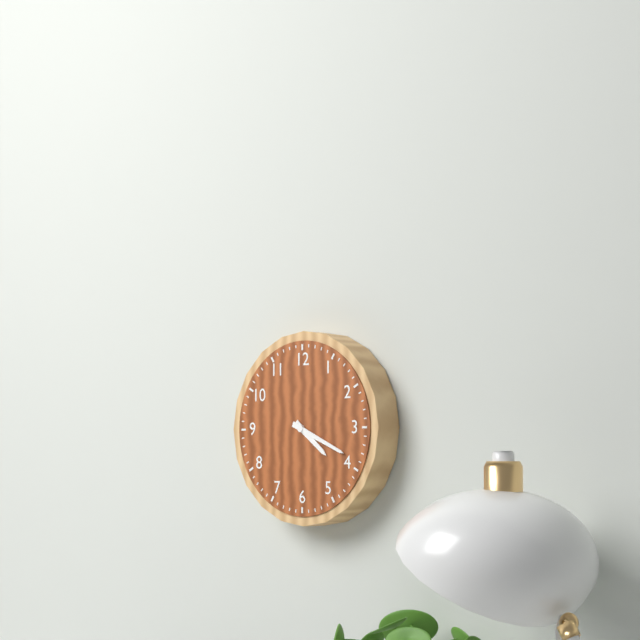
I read 4.19
